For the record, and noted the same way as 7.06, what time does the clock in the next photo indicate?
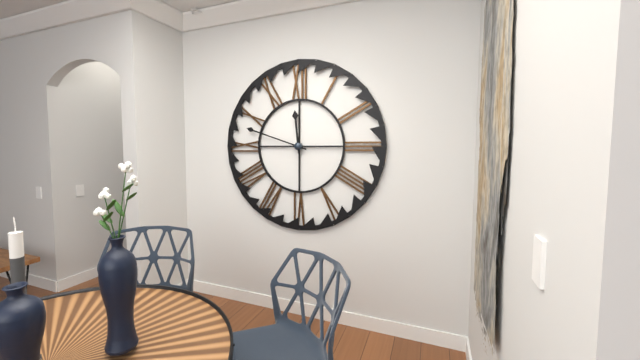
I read 11.48
